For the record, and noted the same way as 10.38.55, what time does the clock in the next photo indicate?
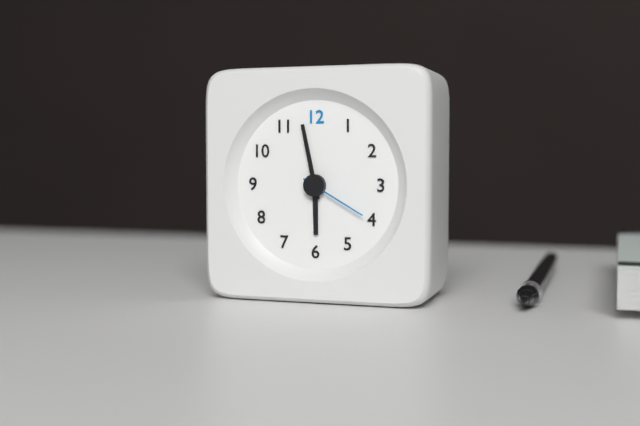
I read 5.58.20
